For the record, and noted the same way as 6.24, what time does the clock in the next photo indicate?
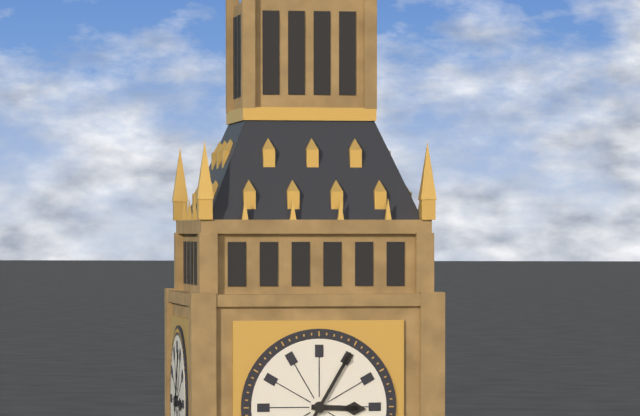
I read 3.05
